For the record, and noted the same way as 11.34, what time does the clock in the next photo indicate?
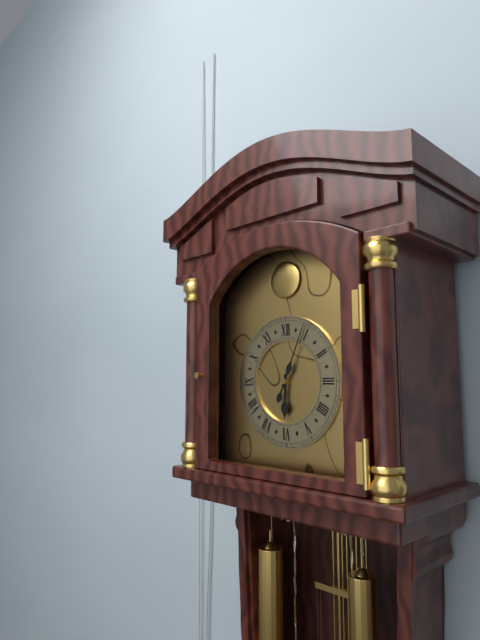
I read 6.04
